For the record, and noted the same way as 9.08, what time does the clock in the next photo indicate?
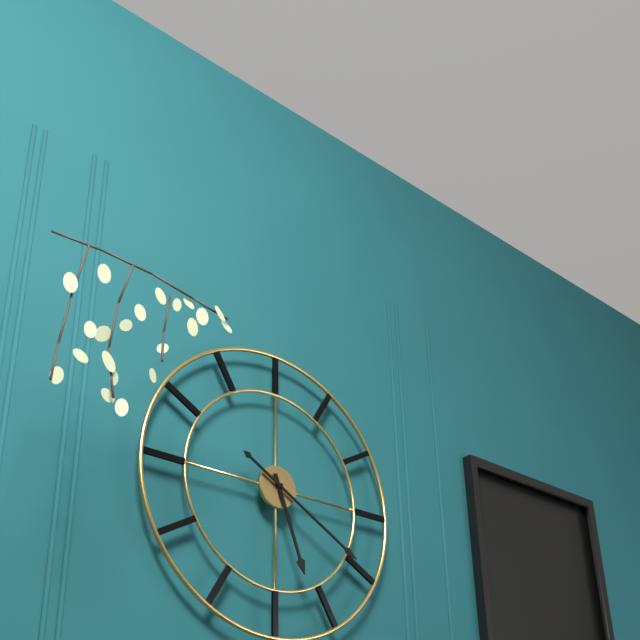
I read 5.20
